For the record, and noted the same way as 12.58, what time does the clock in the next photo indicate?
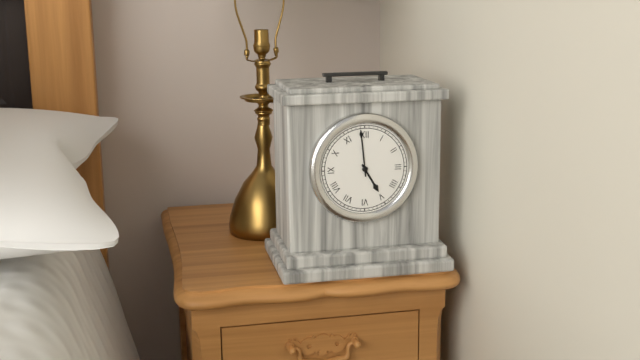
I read 4.59
